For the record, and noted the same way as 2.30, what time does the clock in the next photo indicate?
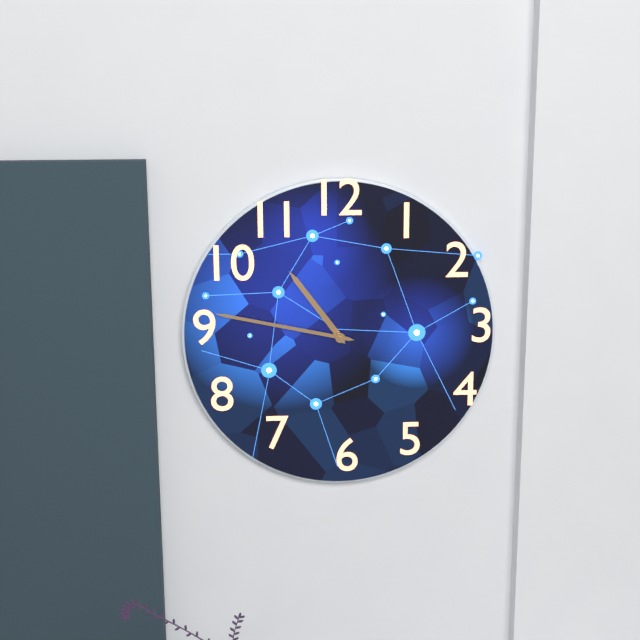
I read 10.47
